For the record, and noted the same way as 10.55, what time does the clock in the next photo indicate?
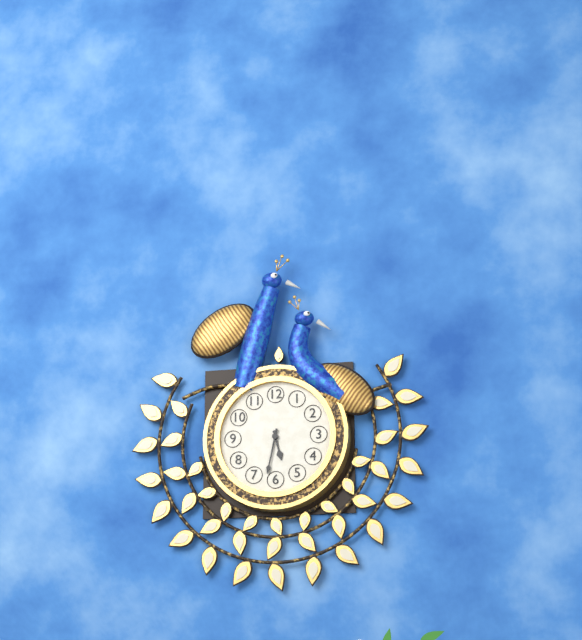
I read 5.32
